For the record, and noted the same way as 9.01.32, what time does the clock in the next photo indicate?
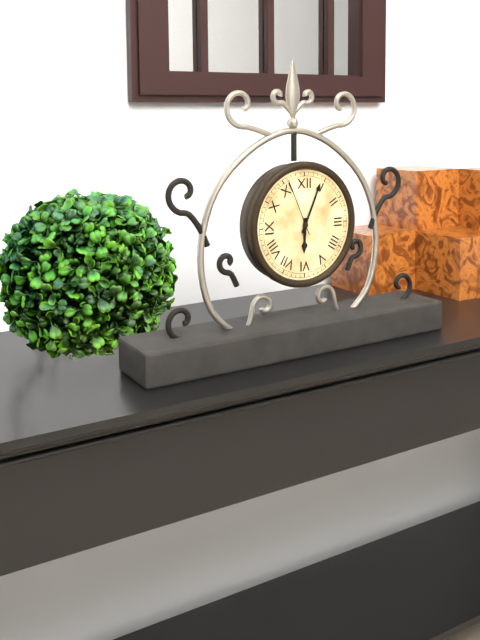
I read 6.04.56
